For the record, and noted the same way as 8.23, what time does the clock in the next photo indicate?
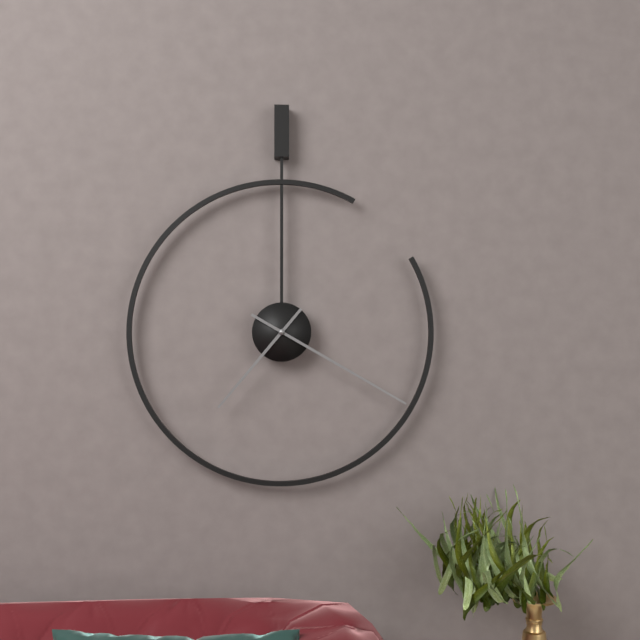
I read 7.20
